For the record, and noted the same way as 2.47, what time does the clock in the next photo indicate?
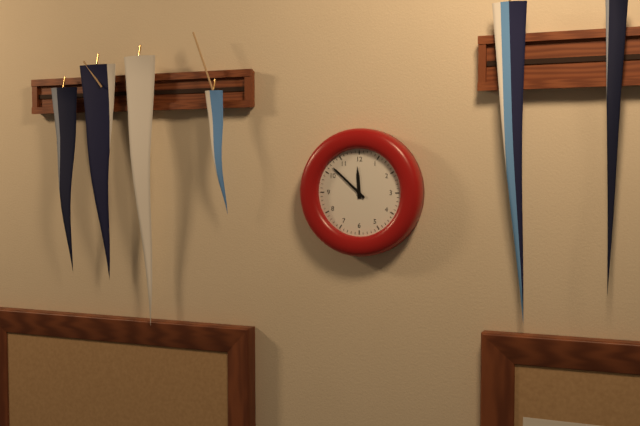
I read 11.52
